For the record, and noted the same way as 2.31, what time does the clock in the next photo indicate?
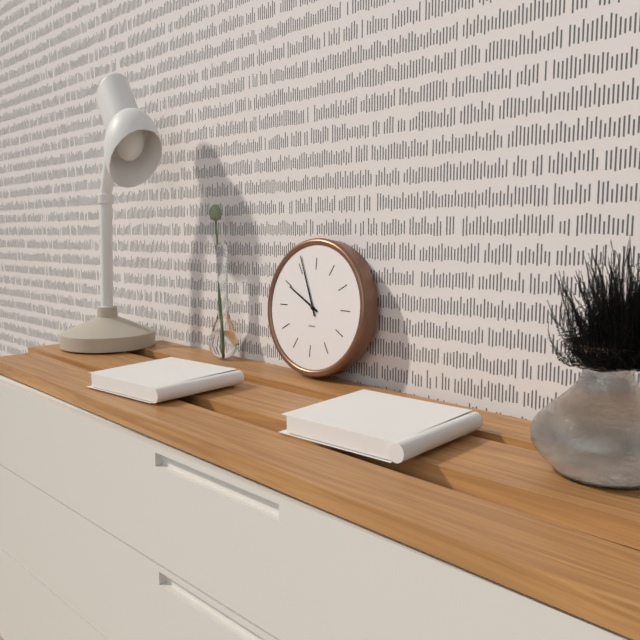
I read 9.56
